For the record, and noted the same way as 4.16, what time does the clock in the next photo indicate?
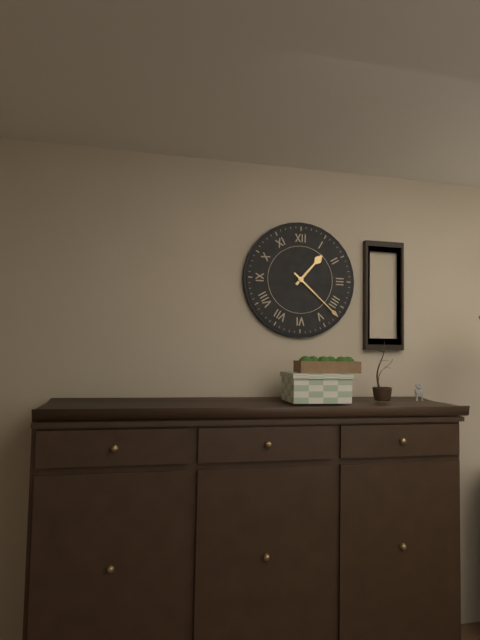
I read 1.22
